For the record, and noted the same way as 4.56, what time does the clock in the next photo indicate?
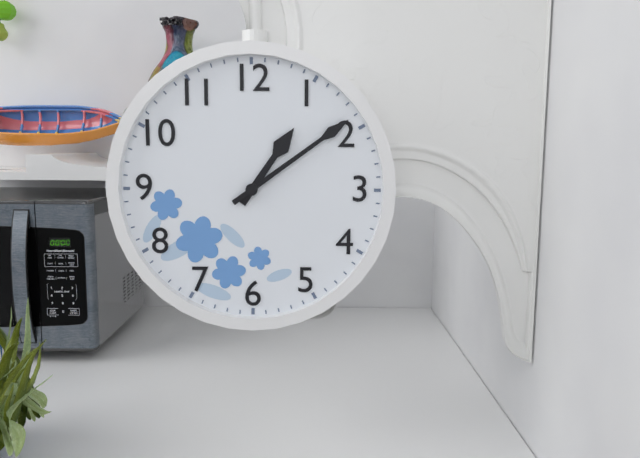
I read 1.09
